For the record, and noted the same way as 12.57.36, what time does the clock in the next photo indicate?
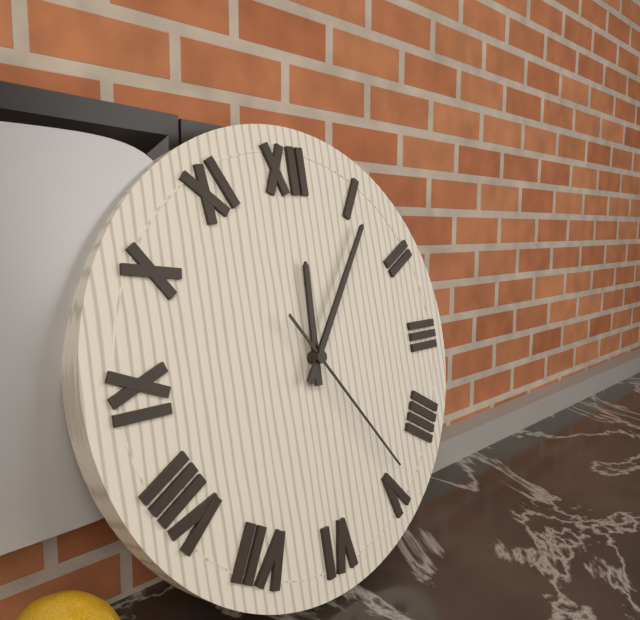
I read 12.06.24
